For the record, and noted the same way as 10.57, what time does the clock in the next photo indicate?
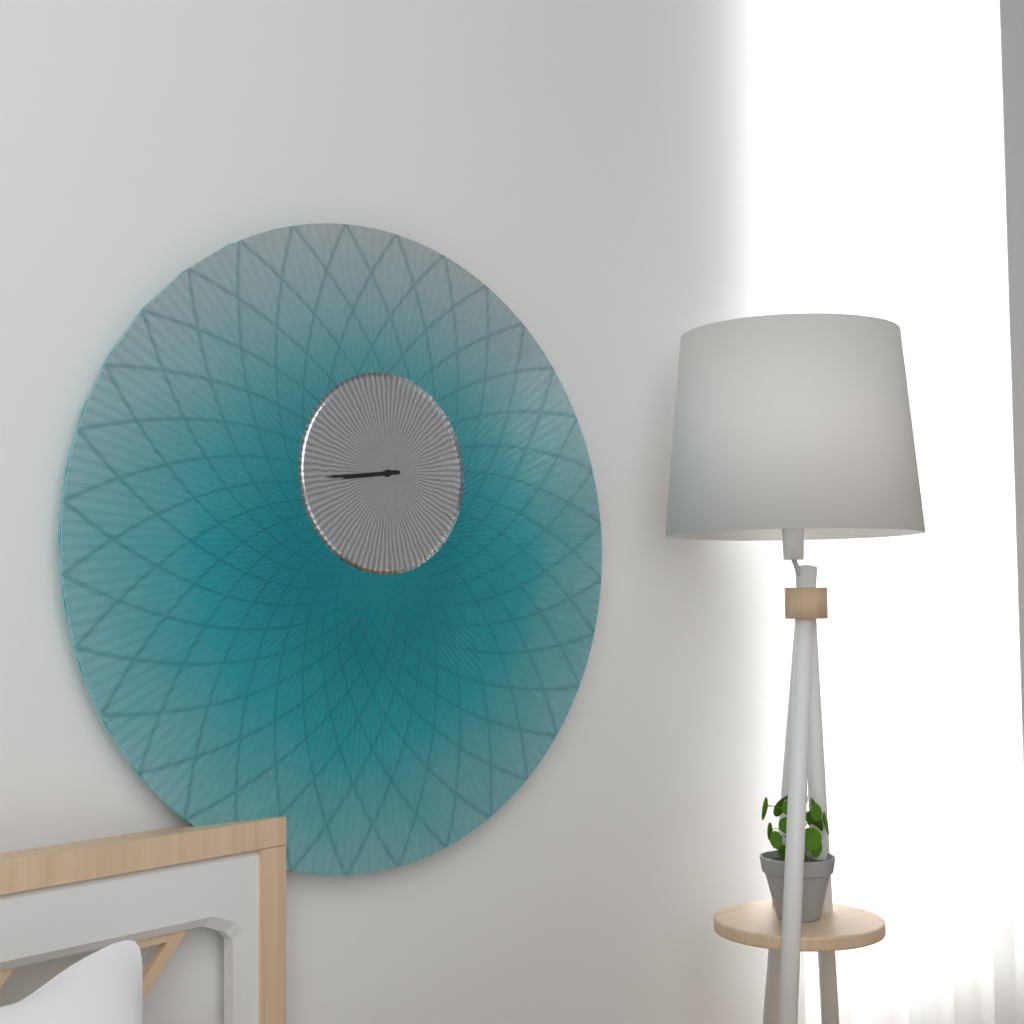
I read 8.44
